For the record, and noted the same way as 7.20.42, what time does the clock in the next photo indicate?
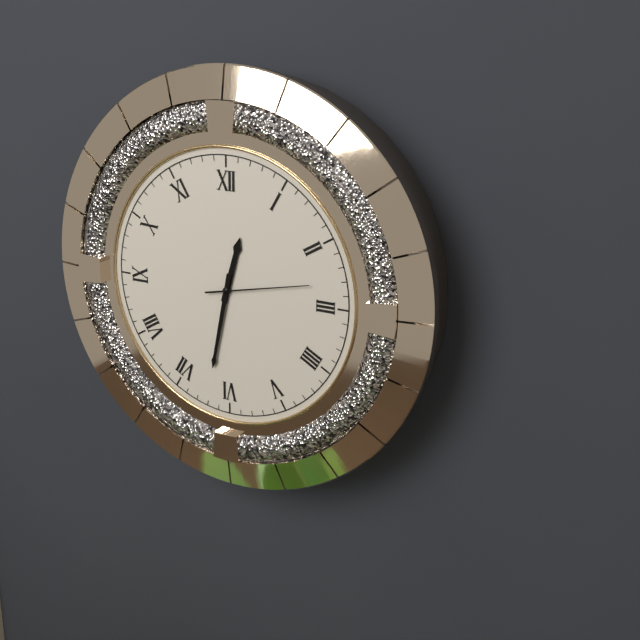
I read 12.32.13
